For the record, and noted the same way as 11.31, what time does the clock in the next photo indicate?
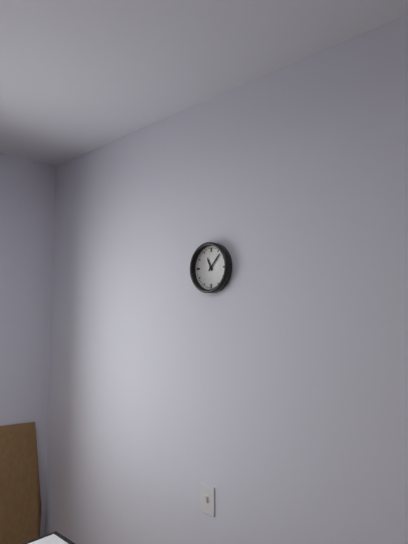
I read 11.07
